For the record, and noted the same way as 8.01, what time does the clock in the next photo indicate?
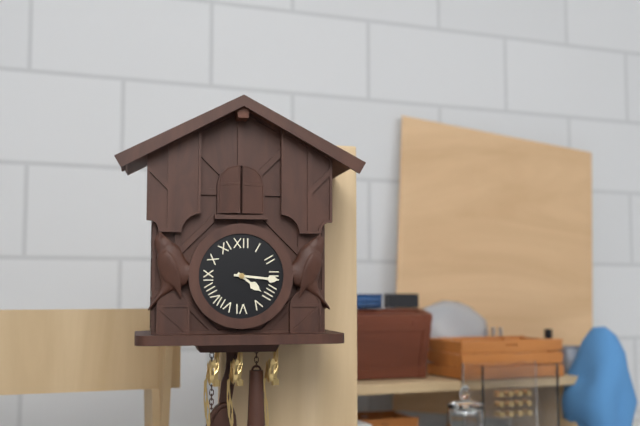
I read 4.16
